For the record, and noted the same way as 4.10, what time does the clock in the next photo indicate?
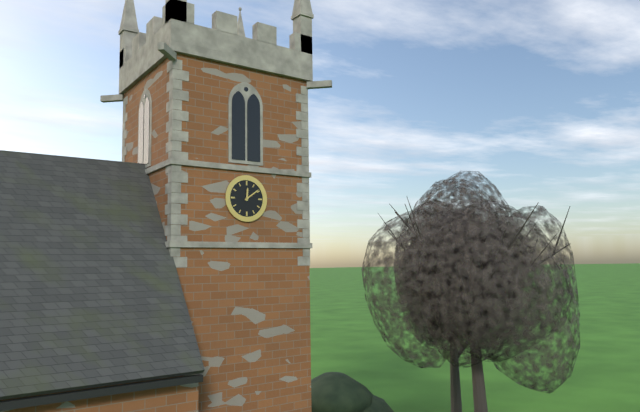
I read 12.09
